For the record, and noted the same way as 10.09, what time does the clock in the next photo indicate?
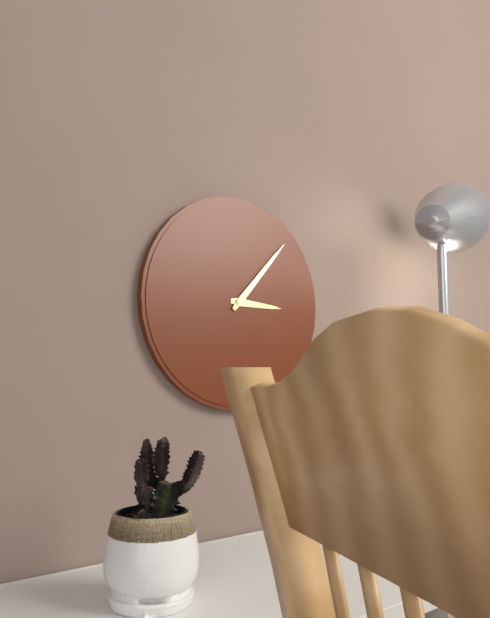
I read 3.07
